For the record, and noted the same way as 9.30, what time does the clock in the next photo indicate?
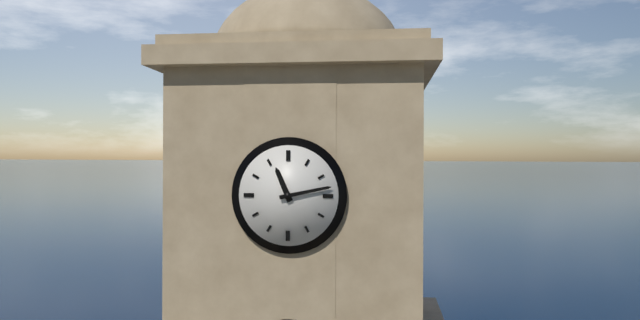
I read 11.13
